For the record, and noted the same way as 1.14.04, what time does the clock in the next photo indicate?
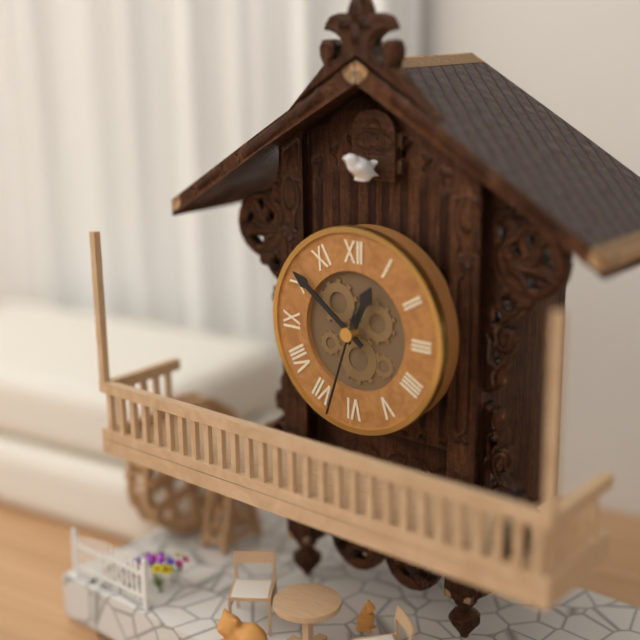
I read 12.51.33
